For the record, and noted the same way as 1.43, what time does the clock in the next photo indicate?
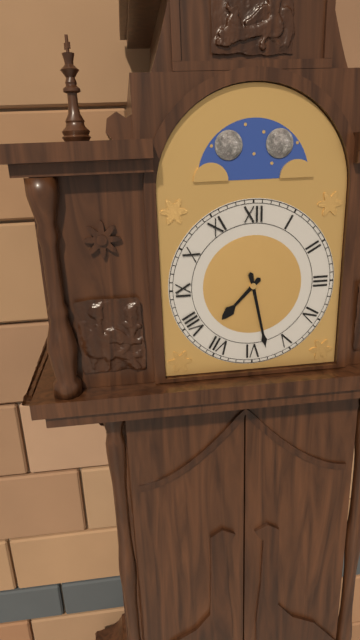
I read 7.28
